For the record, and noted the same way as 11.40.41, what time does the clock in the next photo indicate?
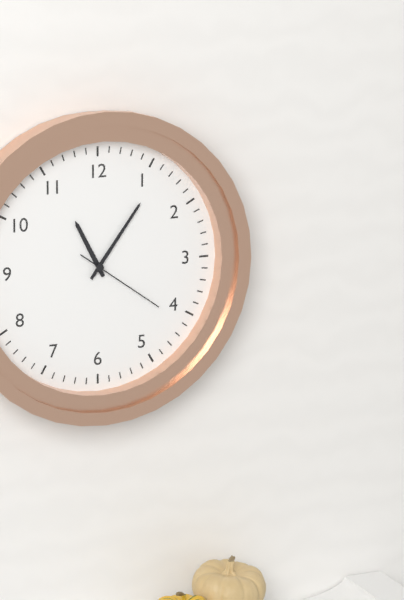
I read 11.06.21
